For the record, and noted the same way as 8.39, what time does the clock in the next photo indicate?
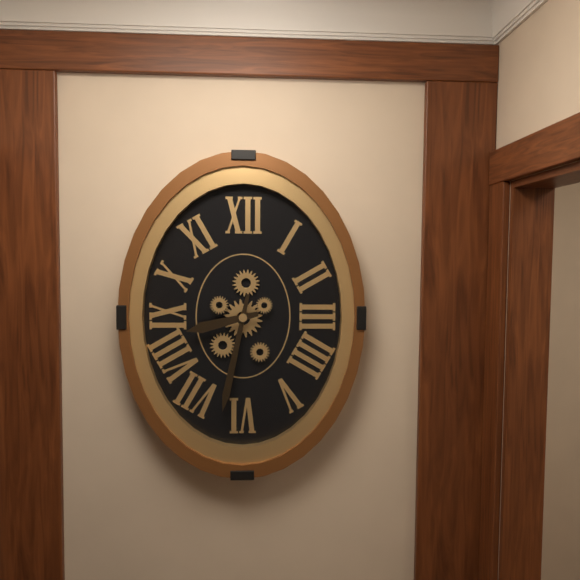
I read 8.32
